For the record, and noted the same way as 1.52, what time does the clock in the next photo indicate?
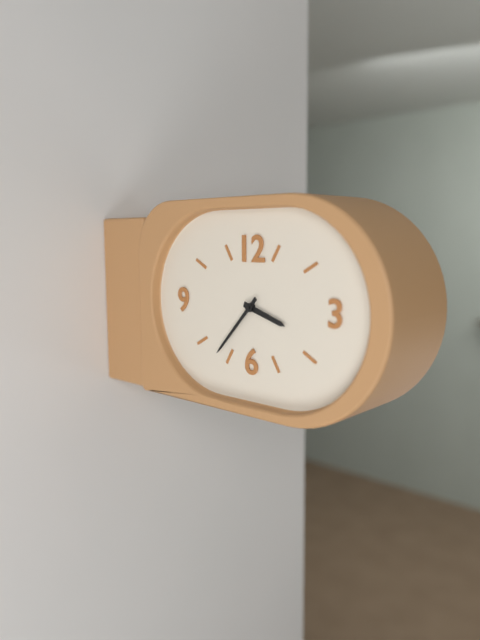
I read 3.37
